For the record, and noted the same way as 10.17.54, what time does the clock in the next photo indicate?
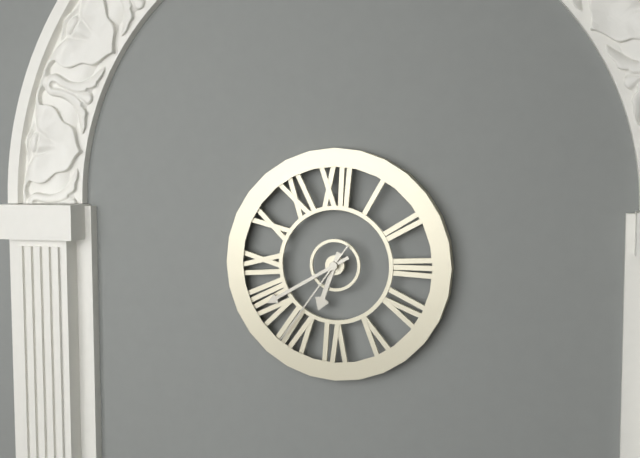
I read 6.40.36
